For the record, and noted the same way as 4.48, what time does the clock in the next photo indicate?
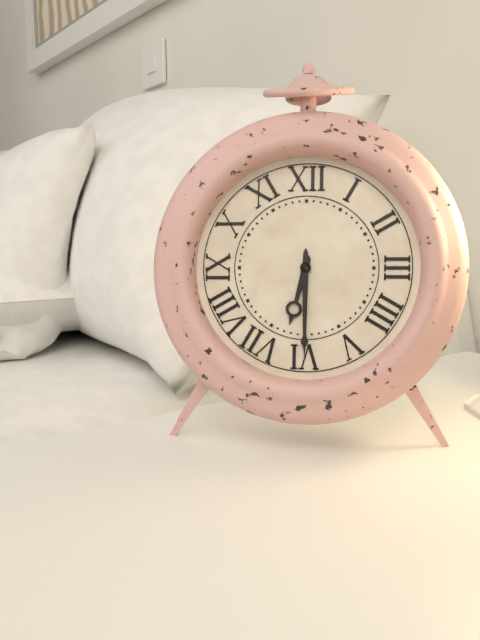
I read 6.30
